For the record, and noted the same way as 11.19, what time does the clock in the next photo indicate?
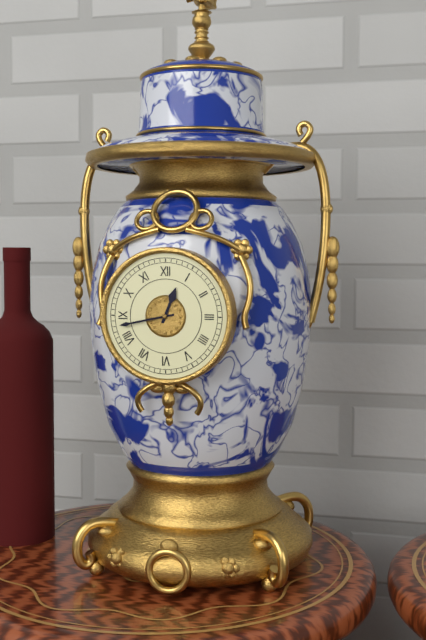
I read 12.43
